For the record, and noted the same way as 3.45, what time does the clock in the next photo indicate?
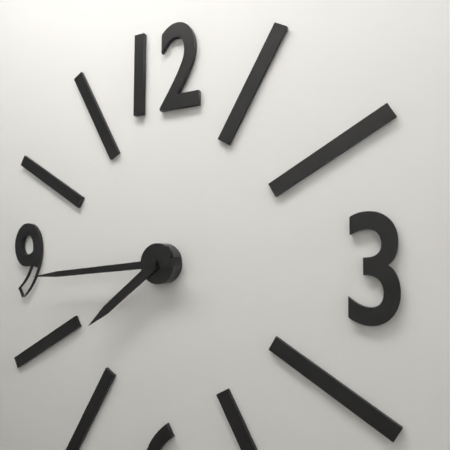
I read 7.44
